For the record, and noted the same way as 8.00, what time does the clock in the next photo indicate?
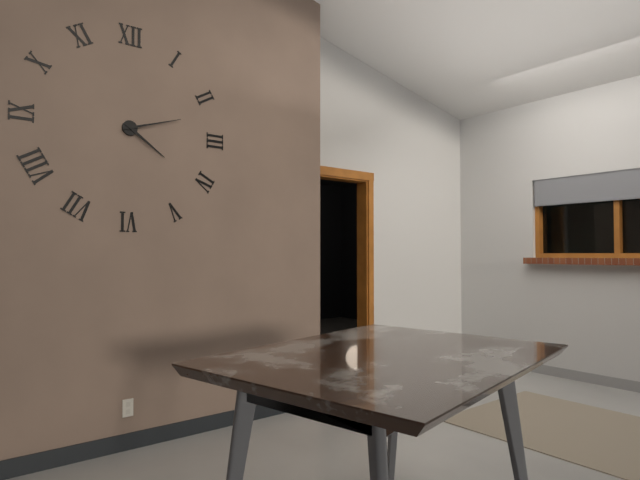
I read 4.12
